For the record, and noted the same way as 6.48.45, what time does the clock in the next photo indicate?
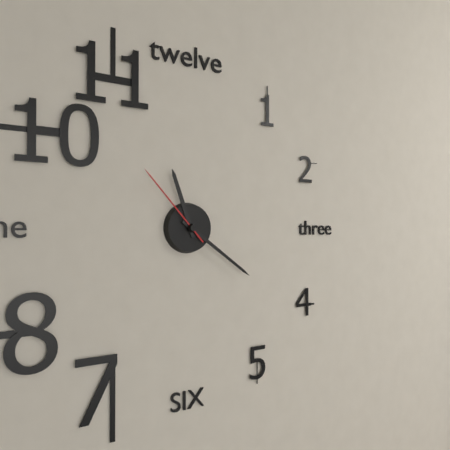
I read 11.21.53
